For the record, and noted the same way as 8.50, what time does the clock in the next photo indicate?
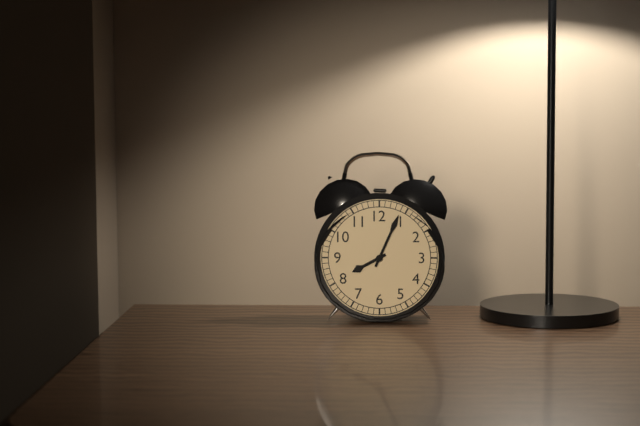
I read 8.04
